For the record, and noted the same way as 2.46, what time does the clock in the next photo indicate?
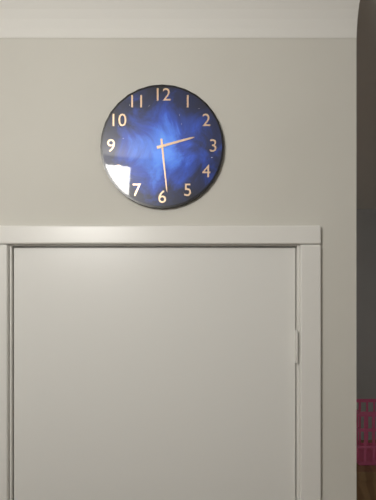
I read 2.29
